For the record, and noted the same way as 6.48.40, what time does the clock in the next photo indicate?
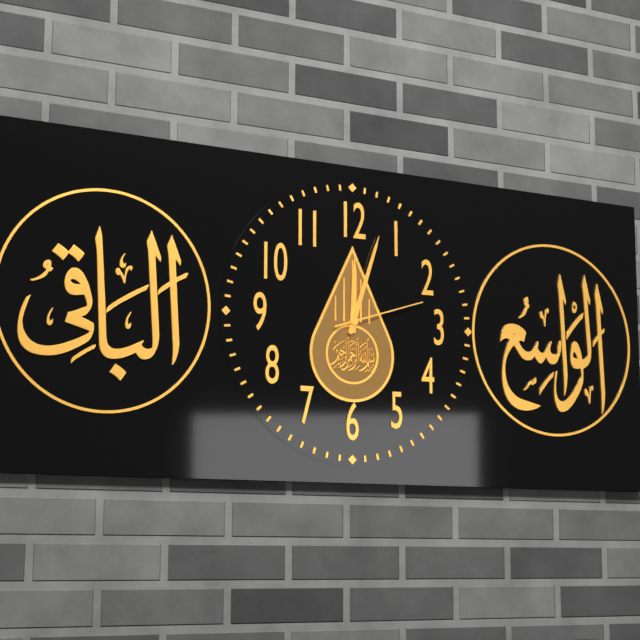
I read 12.03.12
